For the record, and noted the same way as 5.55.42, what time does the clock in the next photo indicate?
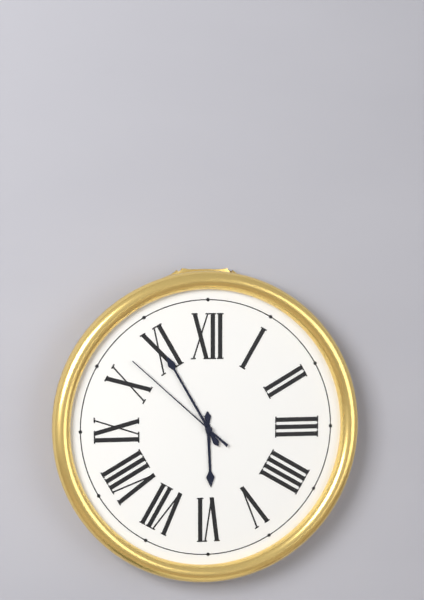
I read 5.55.52
